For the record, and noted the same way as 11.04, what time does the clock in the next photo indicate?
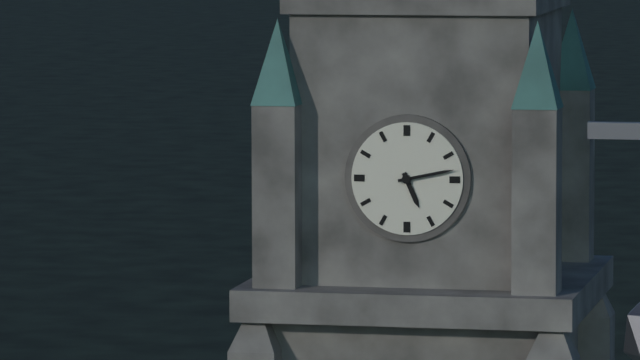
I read 5.13
